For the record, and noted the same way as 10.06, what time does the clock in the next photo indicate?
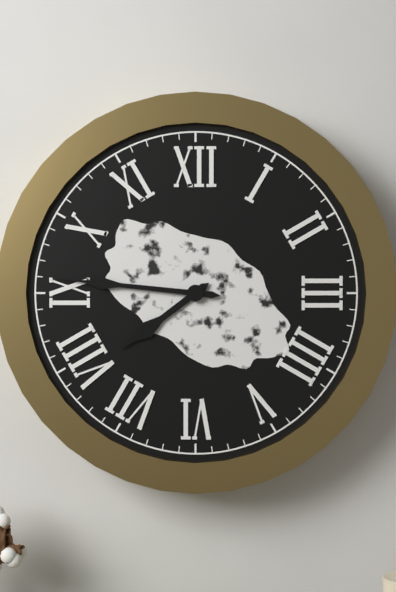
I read 7.46
